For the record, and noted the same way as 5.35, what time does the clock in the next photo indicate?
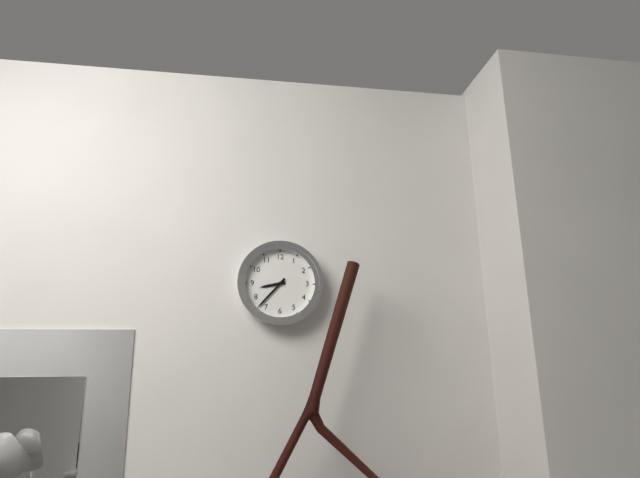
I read 8.37
